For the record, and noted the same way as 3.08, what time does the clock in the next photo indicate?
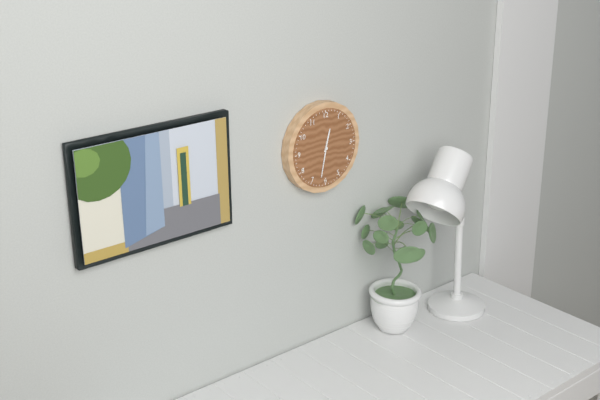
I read 12.32
